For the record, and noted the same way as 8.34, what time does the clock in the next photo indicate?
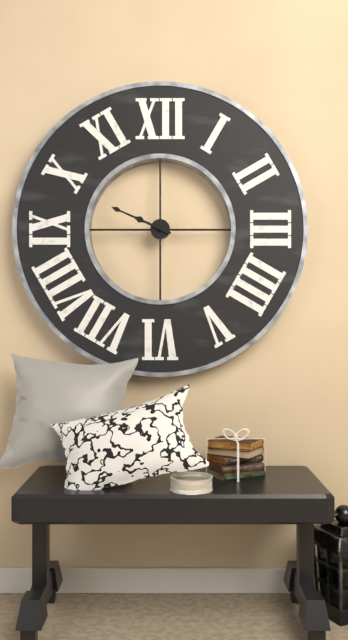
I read 9.49
